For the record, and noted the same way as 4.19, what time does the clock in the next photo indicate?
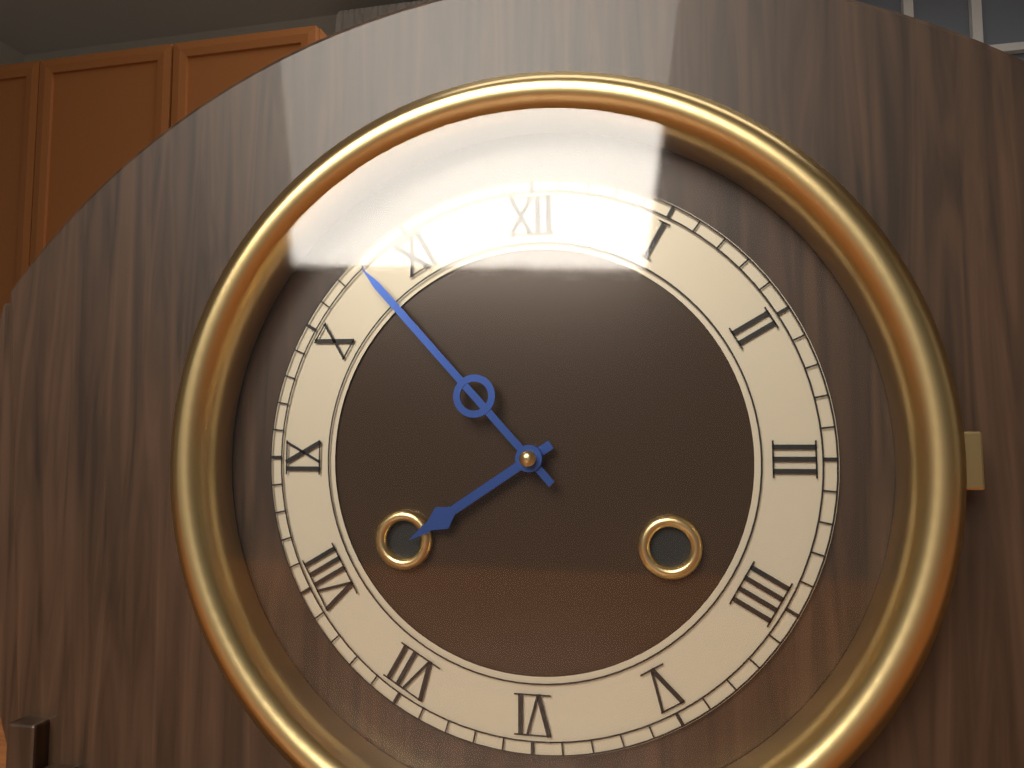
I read 7.53
